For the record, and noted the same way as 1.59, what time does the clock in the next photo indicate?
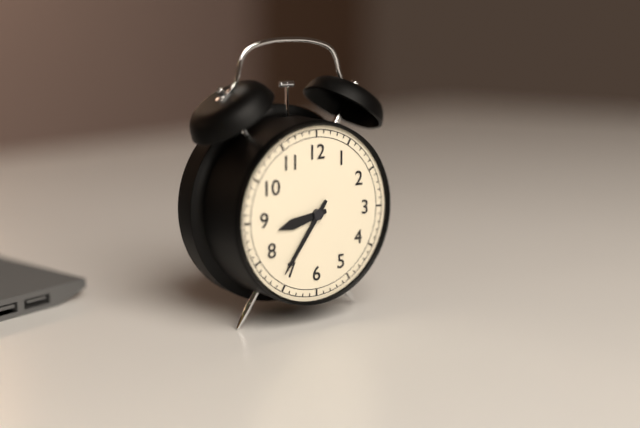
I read 8.36
